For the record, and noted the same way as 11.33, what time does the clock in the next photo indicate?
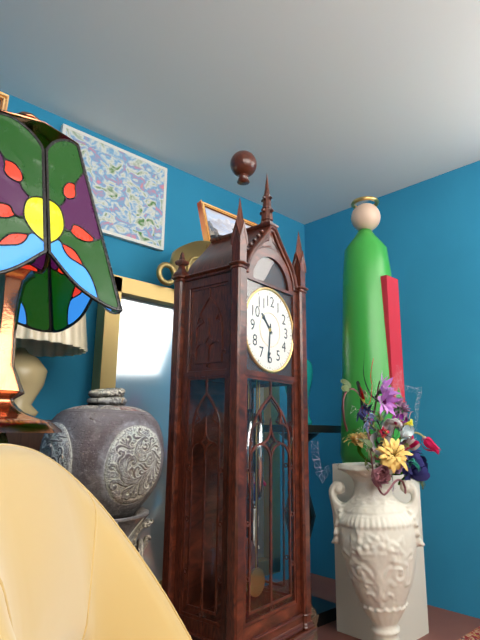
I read 10.31
